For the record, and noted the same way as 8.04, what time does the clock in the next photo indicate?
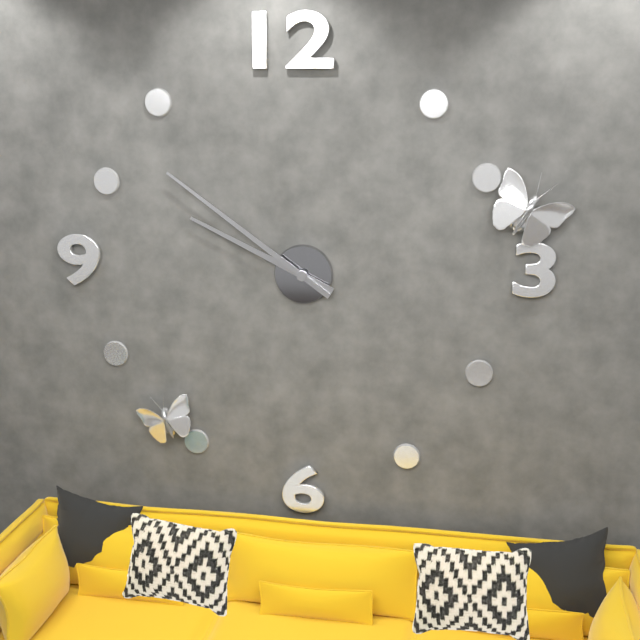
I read 9.51
